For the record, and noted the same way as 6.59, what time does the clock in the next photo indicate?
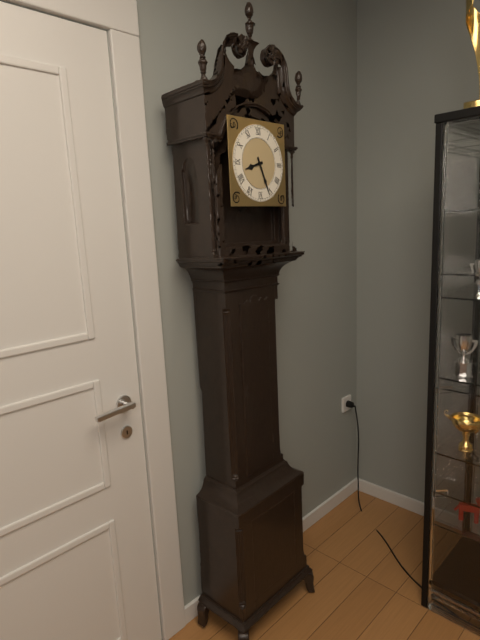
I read 8.26
